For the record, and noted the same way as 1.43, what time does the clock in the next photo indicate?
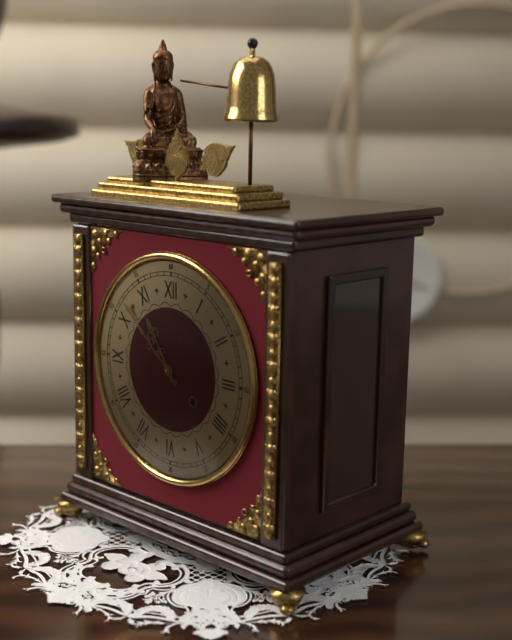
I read 10.52
